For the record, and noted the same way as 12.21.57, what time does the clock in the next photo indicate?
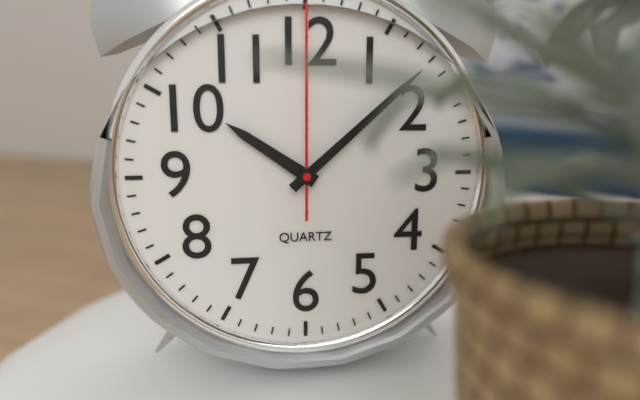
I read 10.08.00
